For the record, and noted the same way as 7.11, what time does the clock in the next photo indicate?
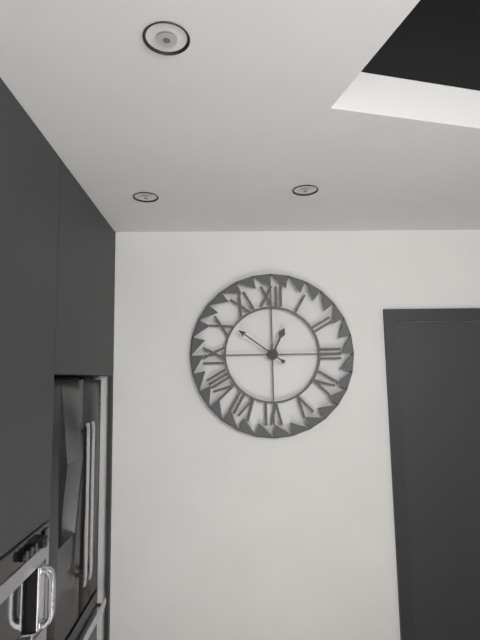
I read 12.51
